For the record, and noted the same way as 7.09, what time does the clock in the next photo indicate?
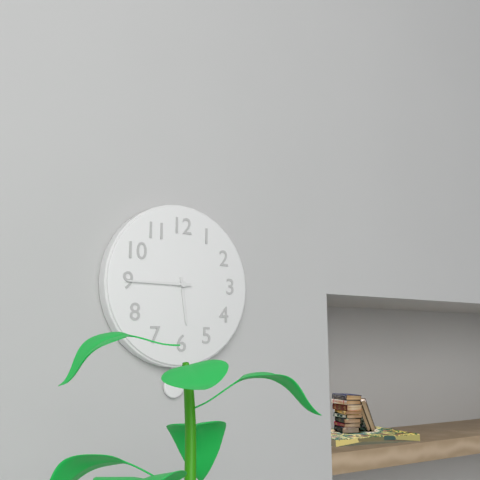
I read 5.45
